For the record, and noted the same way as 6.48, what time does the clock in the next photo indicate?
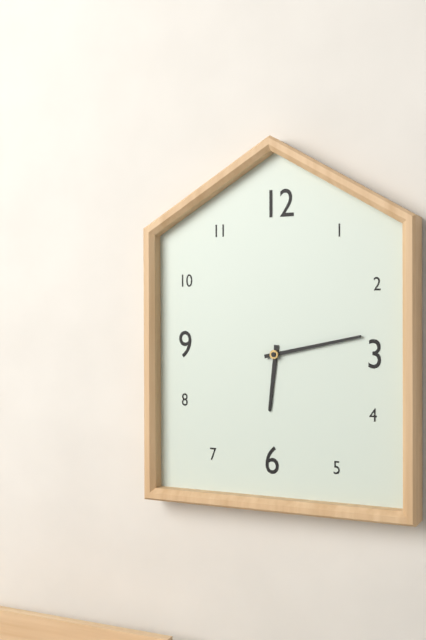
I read 6.13
